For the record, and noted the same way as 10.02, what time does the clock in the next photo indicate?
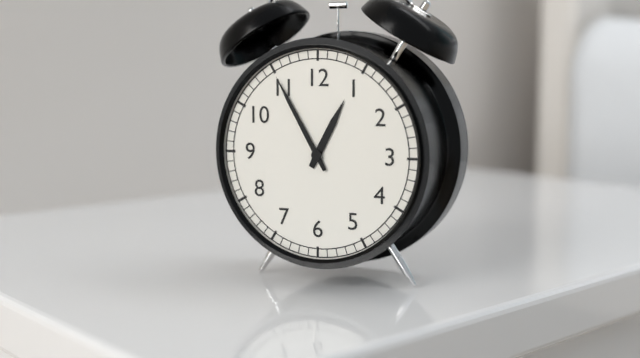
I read 12.55
